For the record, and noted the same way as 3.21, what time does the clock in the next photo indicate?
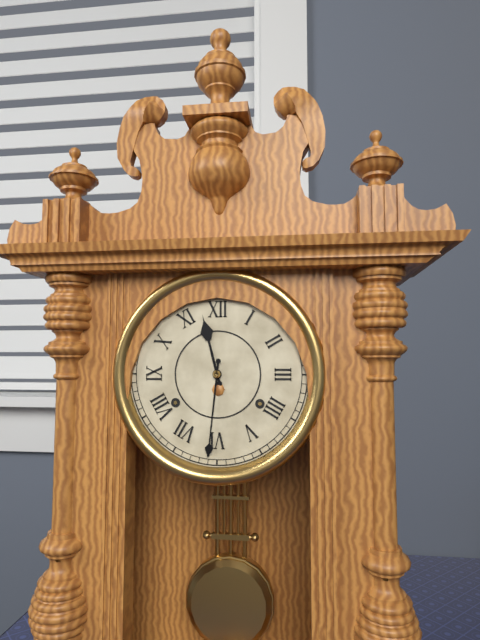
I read 11.31
